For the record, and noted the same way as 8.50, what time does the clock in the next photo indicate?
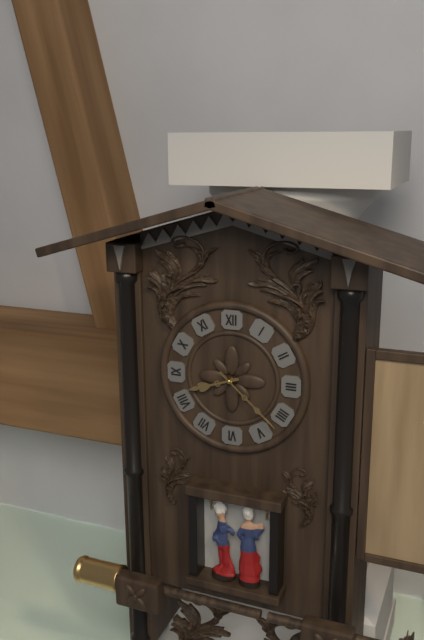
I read 8.22
